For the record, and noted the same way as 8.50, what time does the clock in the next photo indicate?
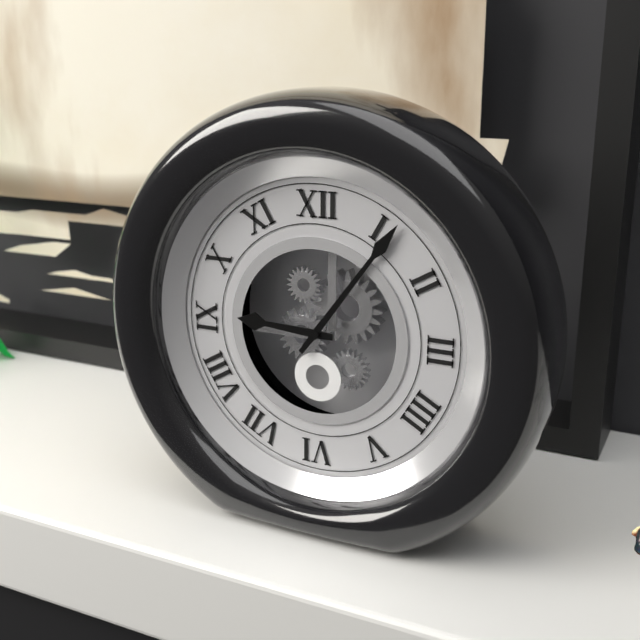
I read 9.06
